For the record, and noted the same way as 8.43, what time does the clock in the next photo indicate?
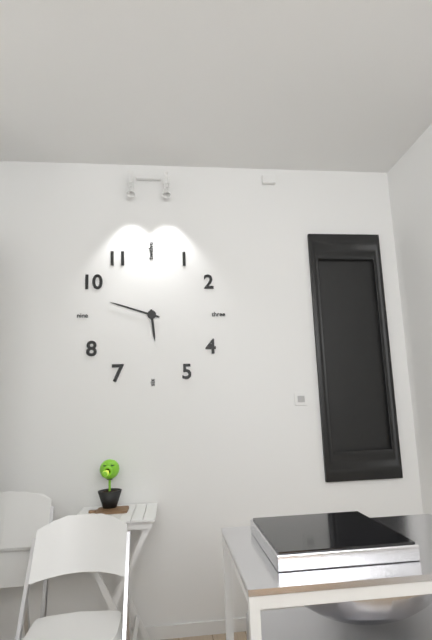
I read 5.48
